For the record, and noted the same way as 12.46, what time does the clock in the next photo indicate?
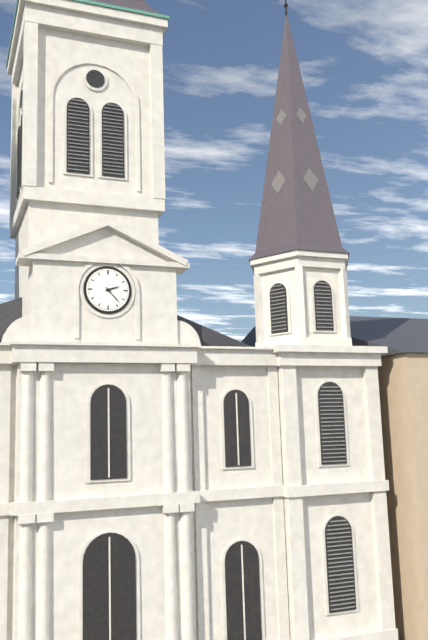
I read 2.23
